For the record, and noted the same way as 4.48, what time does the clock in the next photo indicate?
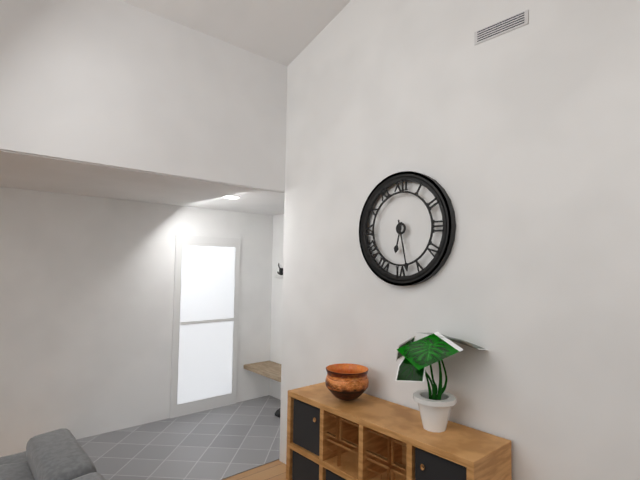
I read 6.28
